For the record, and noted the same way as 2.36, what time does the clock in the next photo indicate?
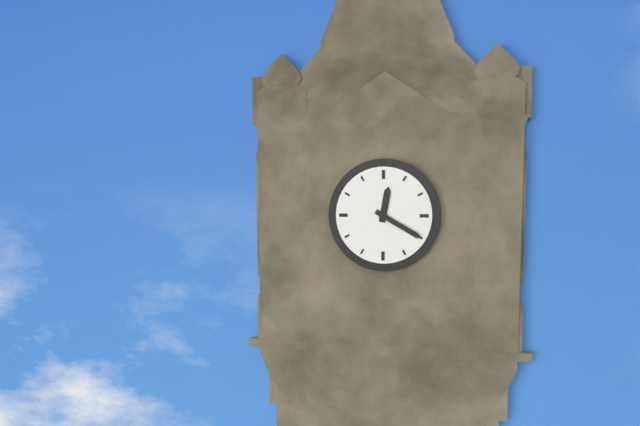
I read 12.20
